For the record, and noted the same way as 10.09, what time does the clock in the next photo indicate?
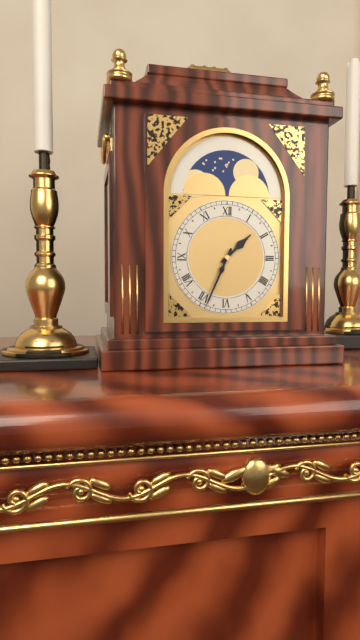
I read 1.34
